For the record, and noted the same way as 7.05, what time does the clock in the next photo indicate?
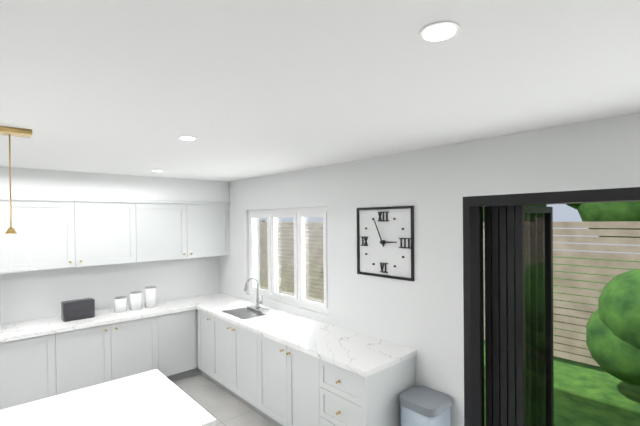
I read 2.56
